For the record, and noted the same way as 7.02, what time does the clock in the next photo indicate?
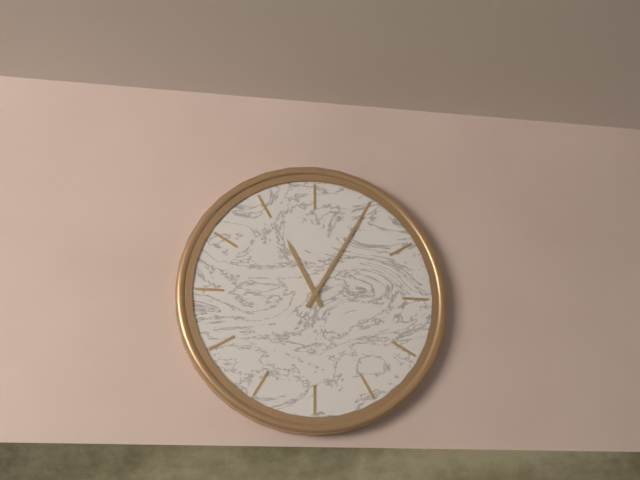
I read 11.05
